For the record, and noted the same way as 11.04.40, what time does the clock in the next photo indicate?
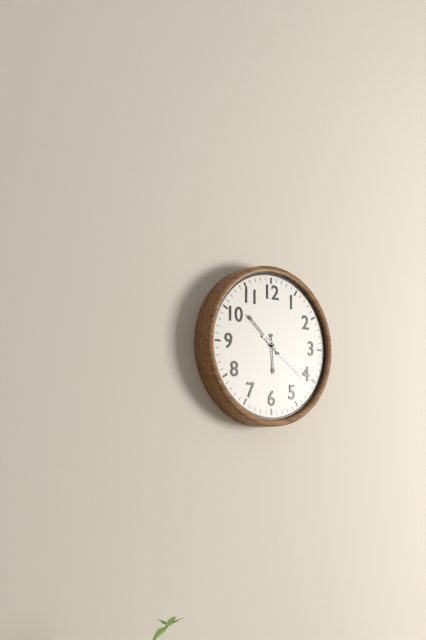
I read 5.52.21
